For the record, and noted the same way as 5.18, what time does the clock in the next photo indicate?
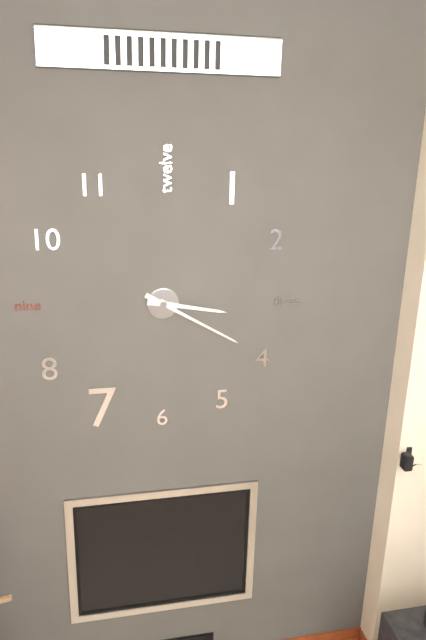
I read 3.20
